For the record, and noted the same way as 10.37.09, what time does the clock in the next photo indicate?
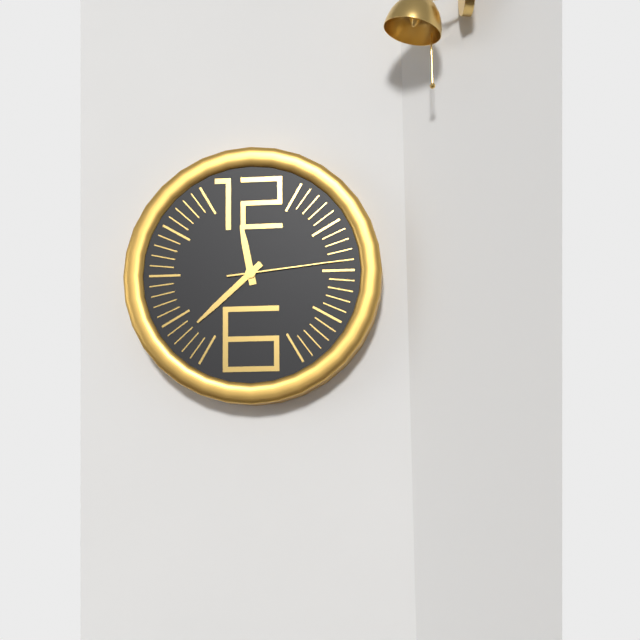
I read 11.38.14
